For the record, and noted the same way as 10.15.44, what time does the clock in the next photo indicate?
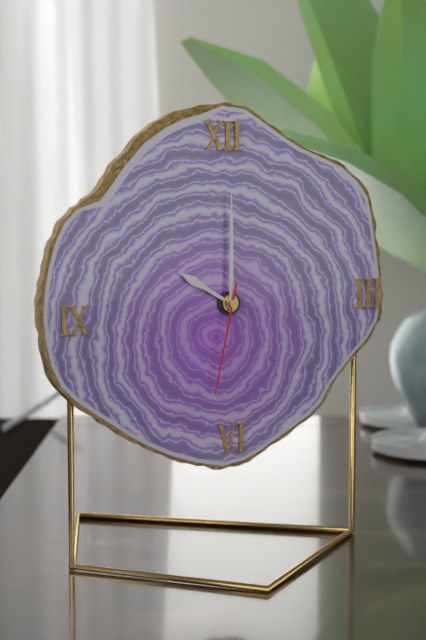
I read 10.00.32
